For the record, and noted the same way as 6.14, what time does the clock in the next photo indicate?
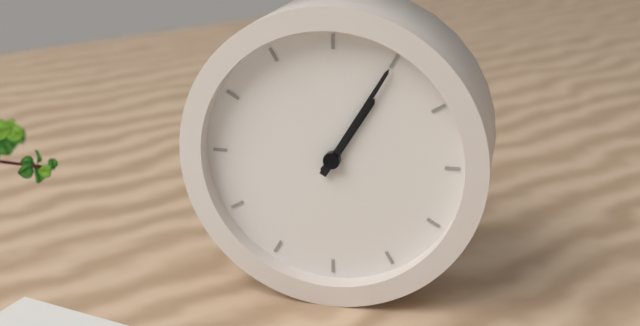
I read 1.05
